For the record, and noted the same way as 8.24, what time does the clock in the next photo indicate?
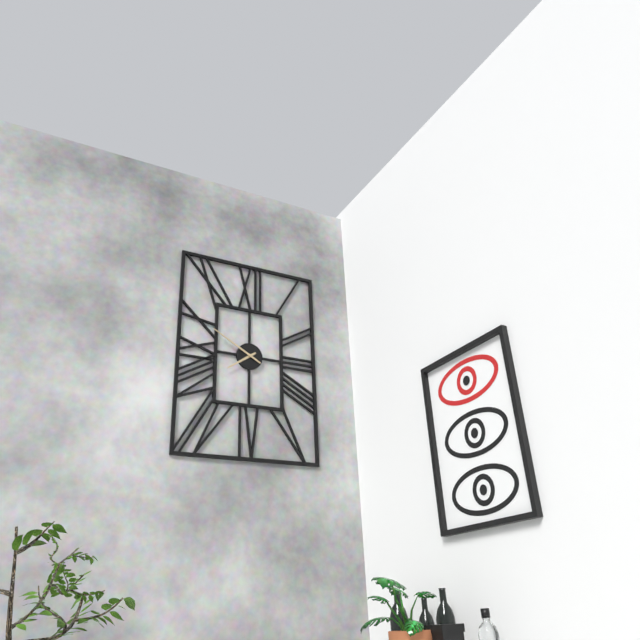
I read 7.50
